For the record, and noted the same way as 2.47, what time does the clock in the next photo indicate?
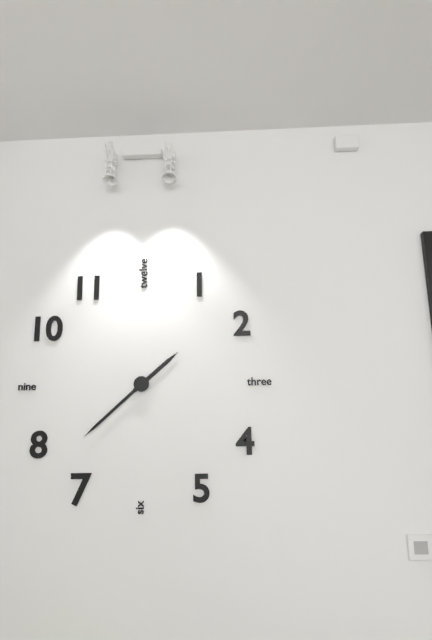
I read 1.38
